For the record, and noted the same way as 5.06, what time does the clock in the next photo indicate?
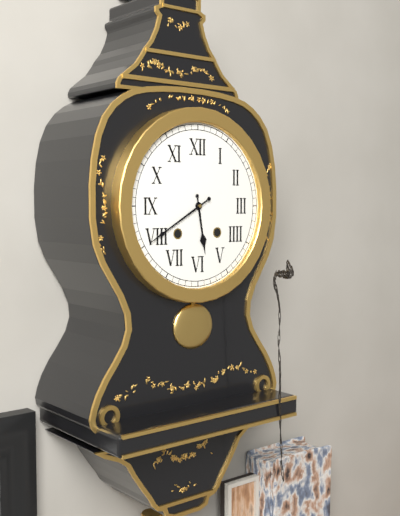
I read 5.40
